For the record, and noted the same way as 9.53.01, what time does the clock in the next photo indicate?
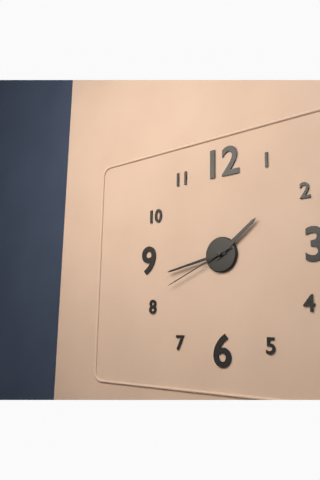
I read 1.43.41
